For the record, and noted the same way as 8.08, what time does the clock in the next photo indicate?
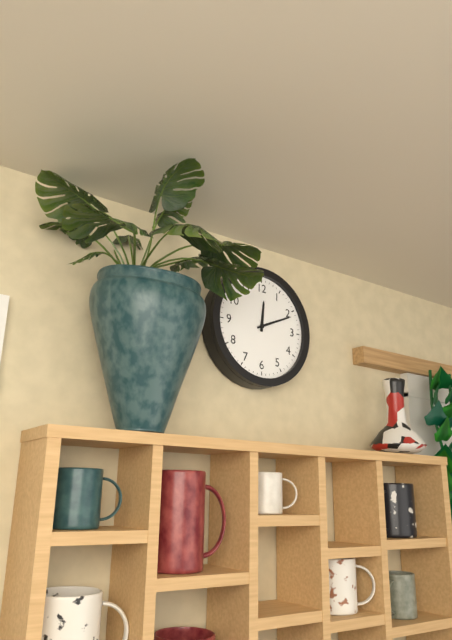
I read 12.11
